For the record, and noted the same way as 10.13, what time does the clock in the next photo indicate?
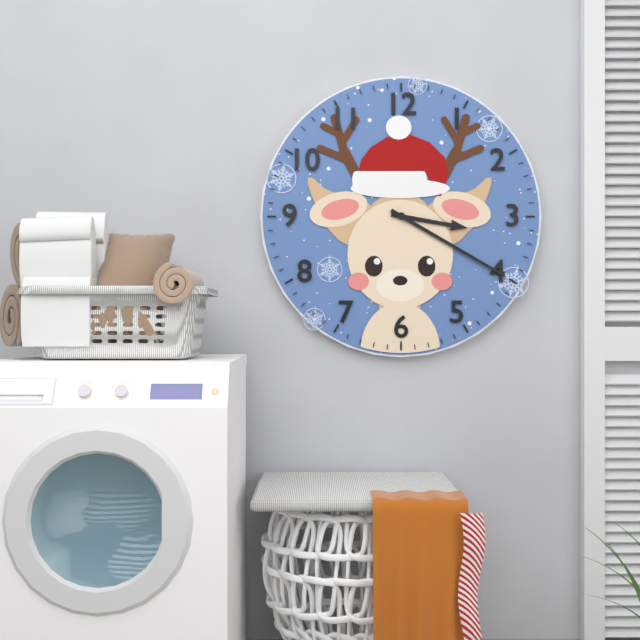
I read 3.20
